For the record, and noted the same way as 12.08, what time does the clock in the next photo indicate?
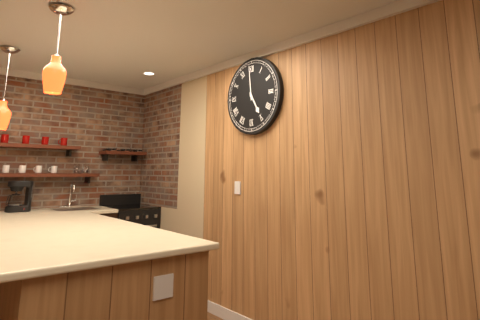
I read 4.59
